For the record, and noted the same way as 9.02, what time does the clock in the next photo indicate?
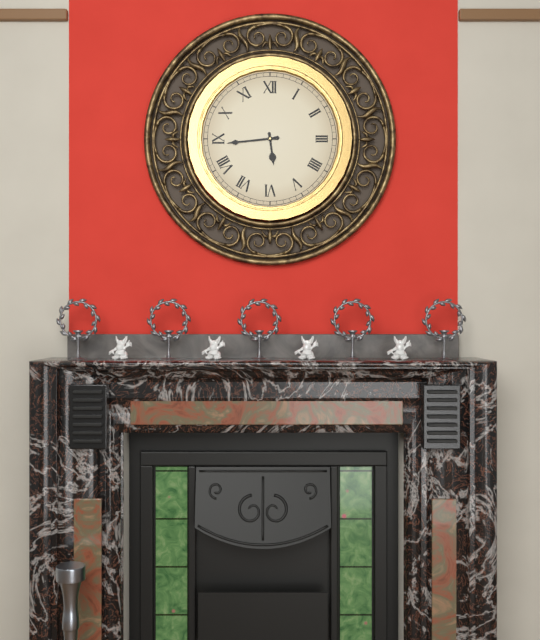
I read 5.44
